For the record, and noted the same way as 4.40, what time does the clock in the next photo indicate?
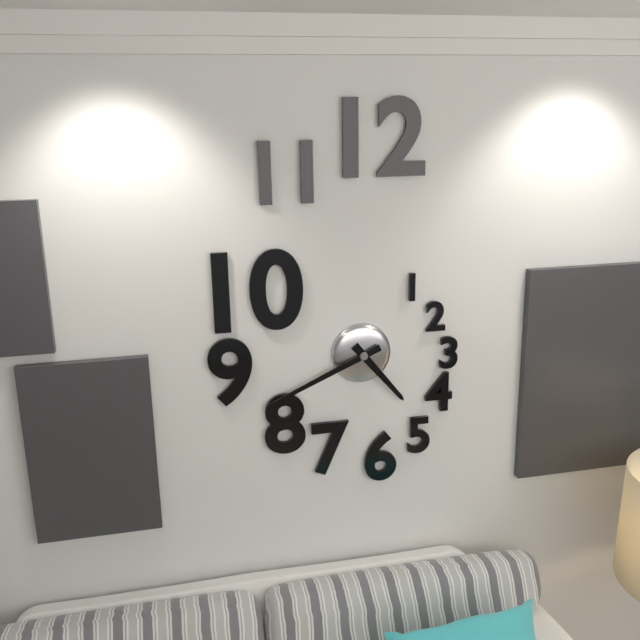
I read 4.41
